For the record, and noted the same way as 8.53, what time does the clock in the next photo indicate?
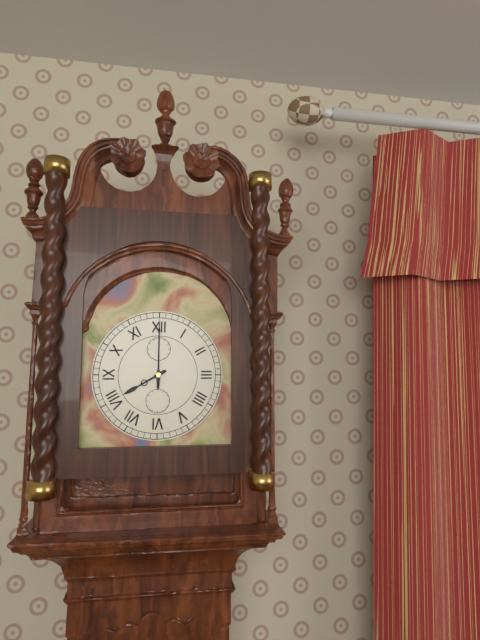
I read 8.00
